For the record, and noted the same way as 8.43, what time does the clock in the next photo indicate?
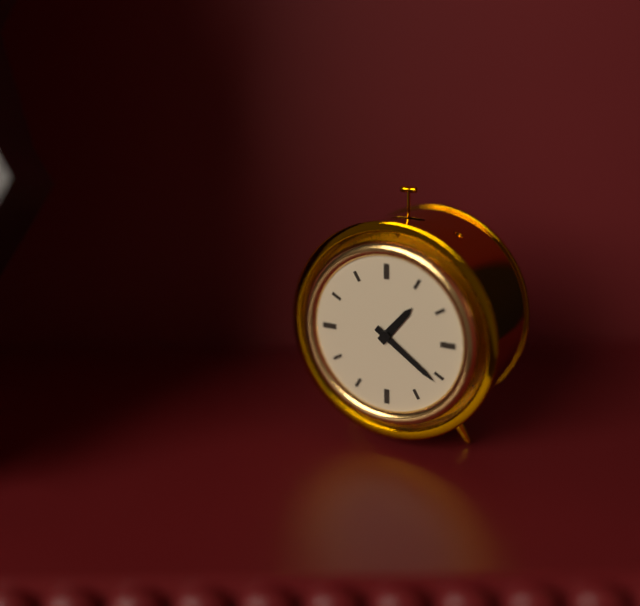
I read 1.21
